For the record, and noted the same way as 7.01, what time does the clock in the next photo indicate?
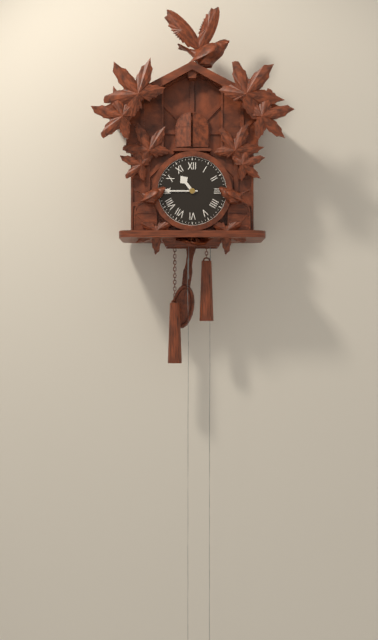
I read 10.45
